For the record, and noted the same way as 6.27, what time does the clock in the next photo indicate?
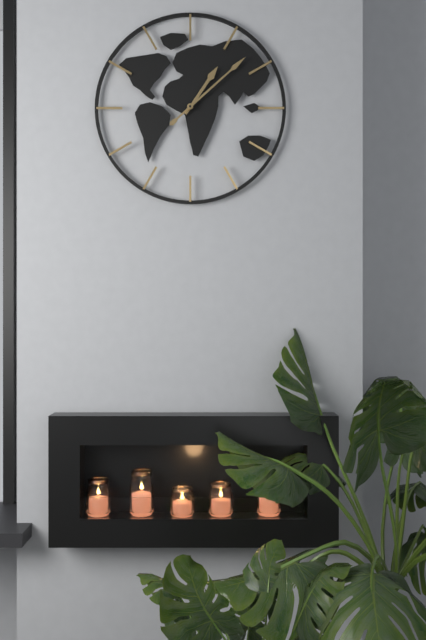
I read 1.08
